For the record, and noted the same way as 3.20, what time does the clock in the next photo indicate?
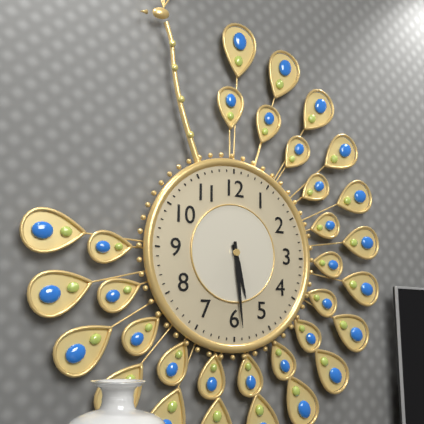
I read 5.29
